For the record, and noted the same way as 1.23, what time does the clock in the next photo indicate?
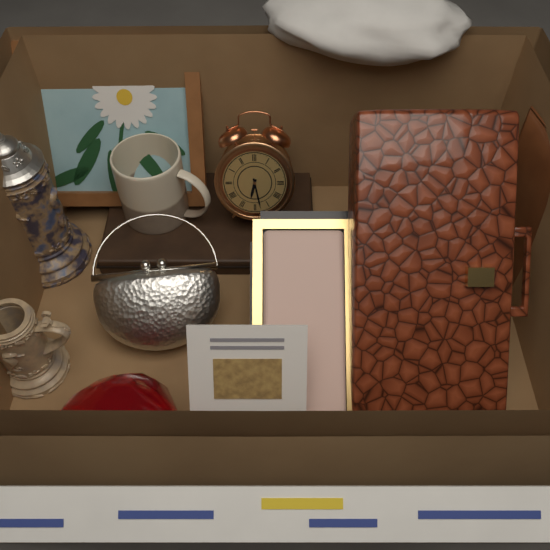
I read 6.28
